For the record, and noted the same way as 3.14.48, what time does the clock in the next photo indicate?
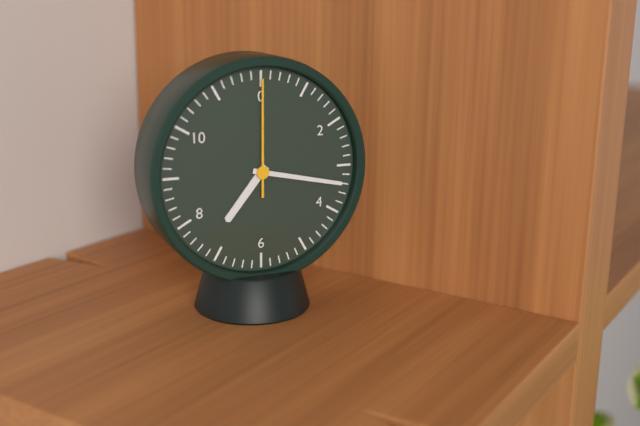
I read 7.17.00
